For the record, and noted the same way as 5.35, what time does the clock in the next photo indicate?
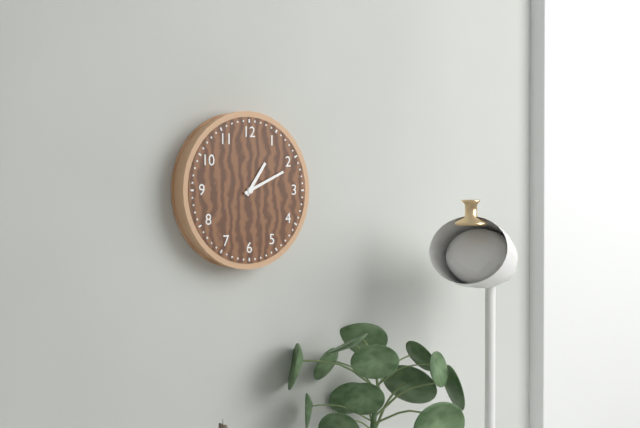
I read 1.11
